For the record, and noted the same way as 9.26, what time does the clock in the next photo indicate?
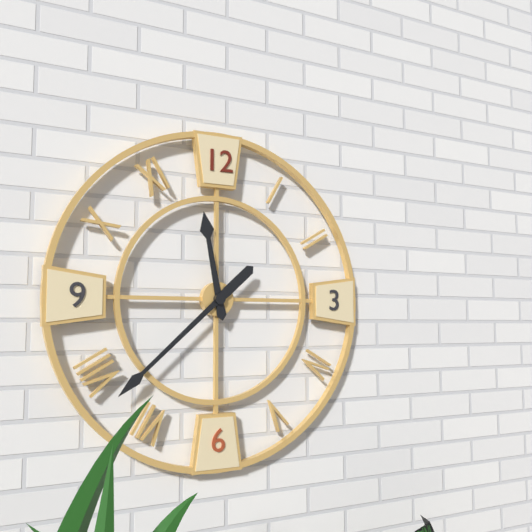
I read 11.38
